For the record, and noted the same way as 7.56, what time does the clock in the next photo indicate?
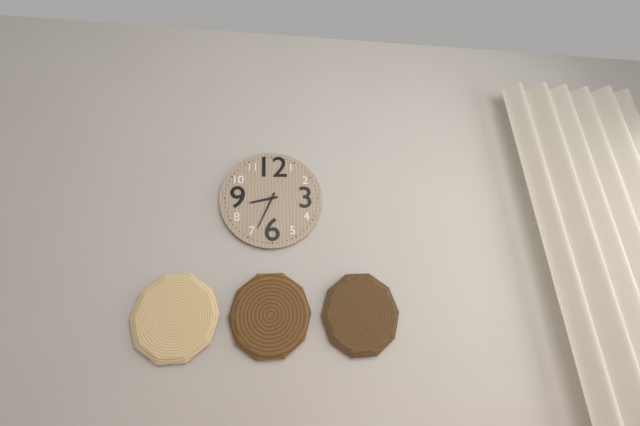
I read 8.34
